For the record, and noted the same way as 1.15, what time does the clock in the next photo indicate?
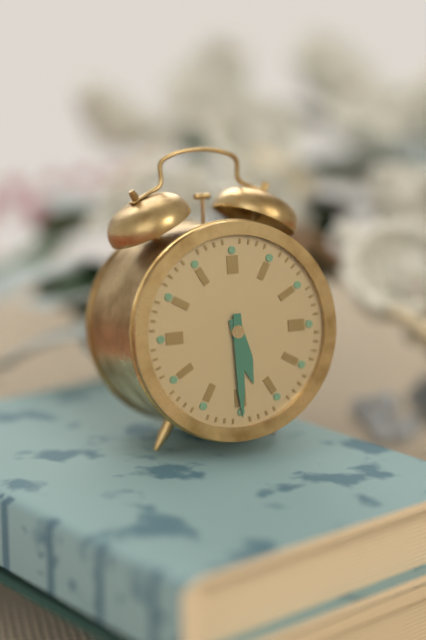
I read 5.30
